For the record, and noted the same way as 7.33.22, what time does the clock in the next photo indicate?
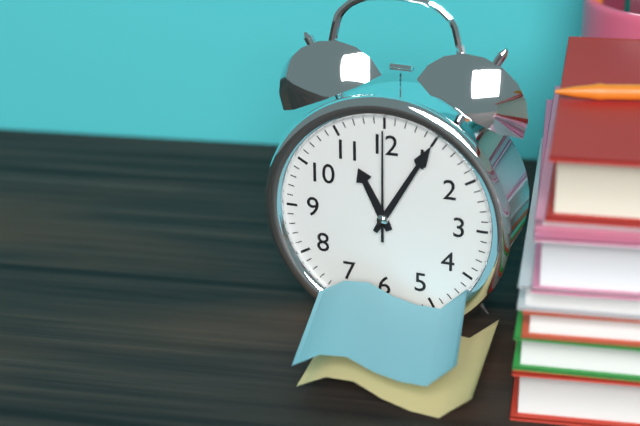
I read 11.05.00
